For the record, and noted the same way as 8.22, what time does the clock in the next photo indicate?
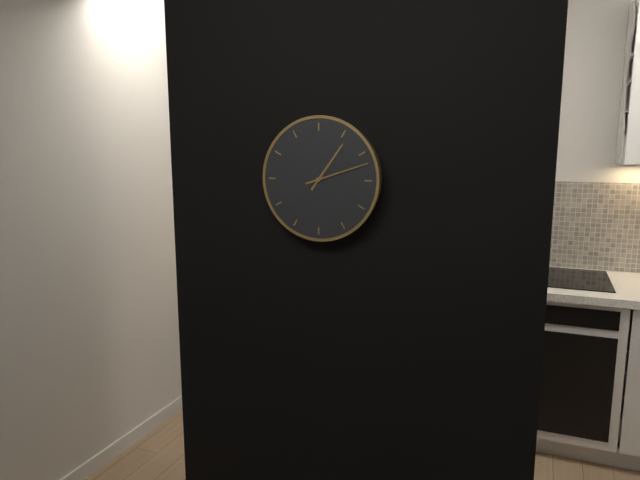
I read 1.12
